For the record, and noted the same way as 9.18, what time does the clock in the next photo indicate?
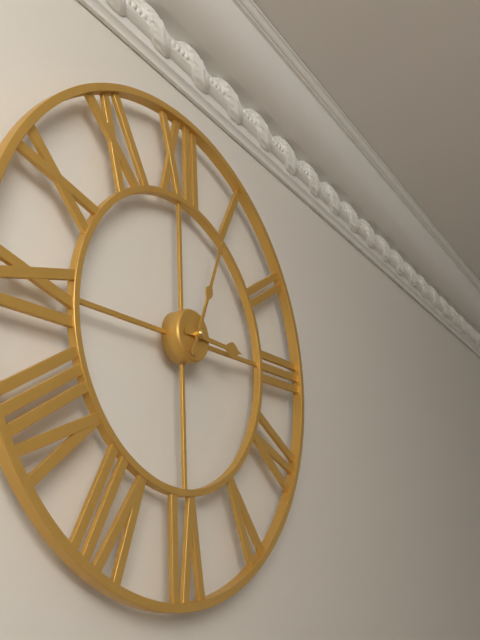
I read 3.04
